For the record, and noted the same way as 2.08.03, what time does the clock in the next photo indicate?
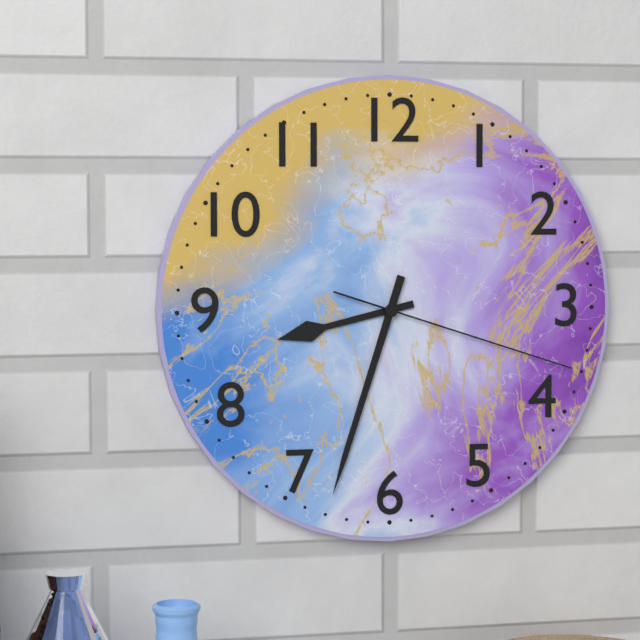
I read 8.33.18
